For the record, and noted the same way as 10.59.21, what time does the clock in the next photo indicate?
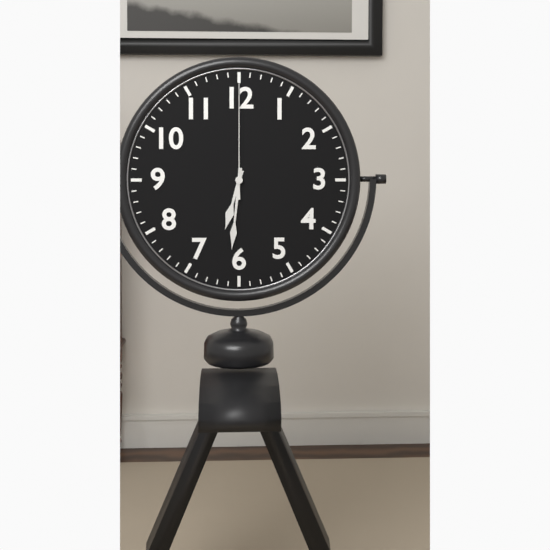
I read 6.31.00
